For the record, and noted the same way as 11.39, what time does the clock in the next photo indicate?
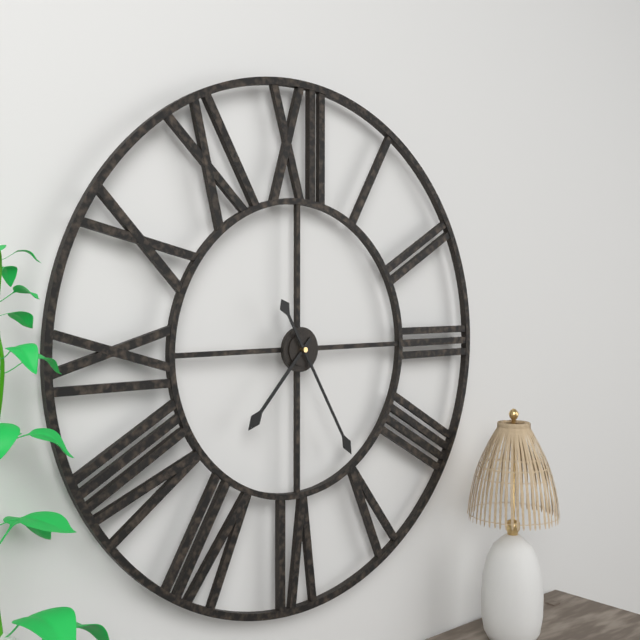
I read 7.25
